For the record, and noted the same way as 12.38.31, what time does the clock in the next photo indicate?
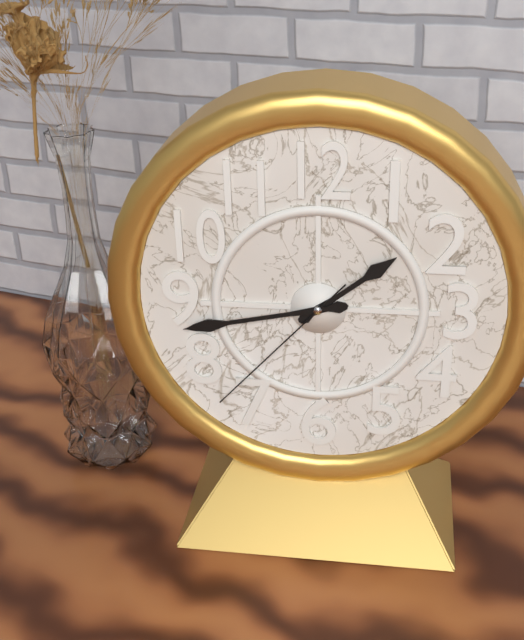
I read 1.43.37
